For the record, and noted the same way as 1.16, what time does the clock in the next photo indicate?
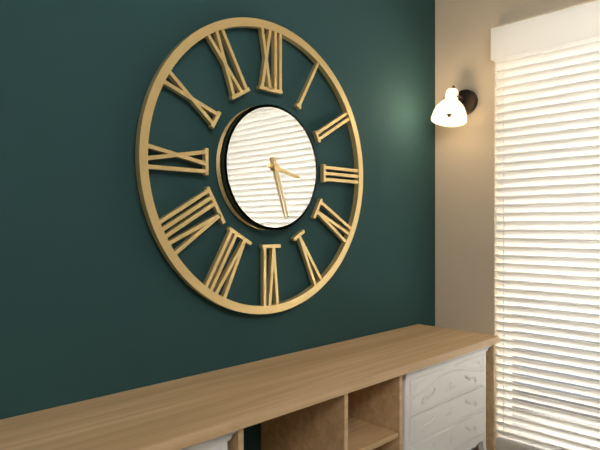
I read 3.27
